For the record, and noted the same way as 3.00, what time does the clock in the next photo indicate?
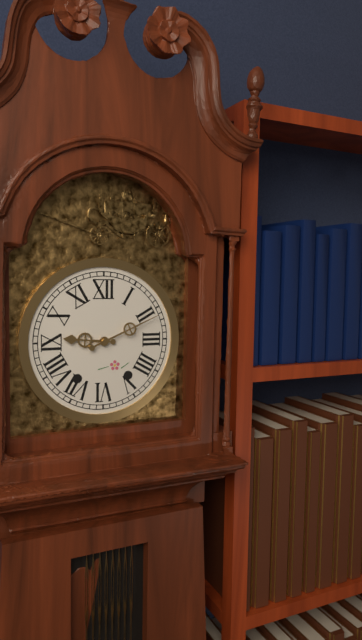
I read 9.11
